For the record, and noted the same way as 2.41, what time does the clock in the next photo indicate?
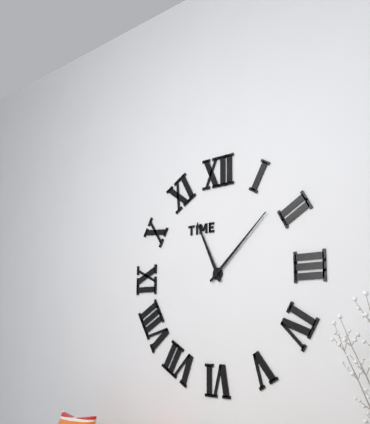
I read 11.08
